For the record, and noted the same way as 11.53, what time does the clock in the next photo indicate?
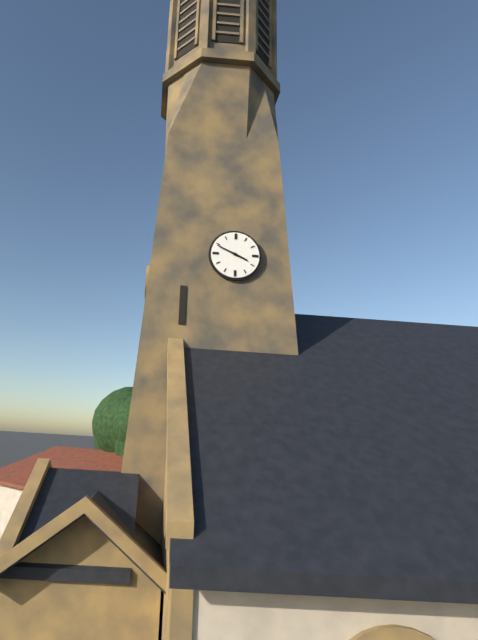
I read 3.49
